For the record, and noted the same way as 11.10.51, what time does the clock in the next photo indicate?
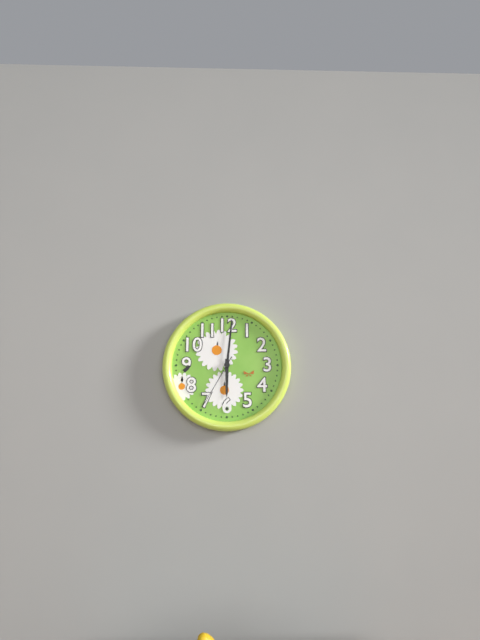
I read 6.01.35
